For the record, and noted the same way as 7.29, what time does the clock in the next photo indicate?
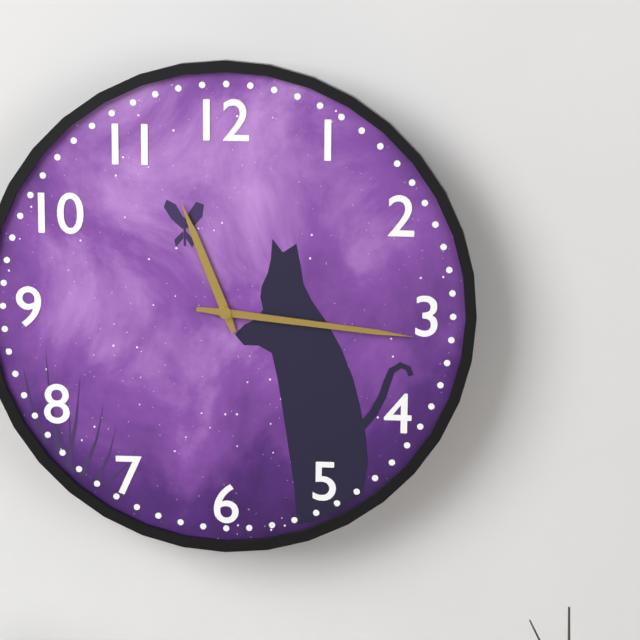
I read 11.16
